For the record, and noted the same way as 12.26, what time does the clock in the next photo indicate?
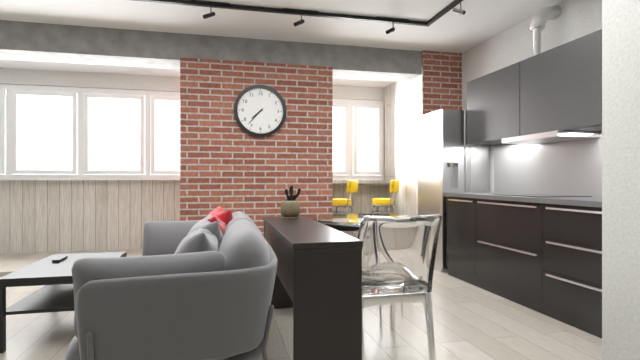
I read 7.37
